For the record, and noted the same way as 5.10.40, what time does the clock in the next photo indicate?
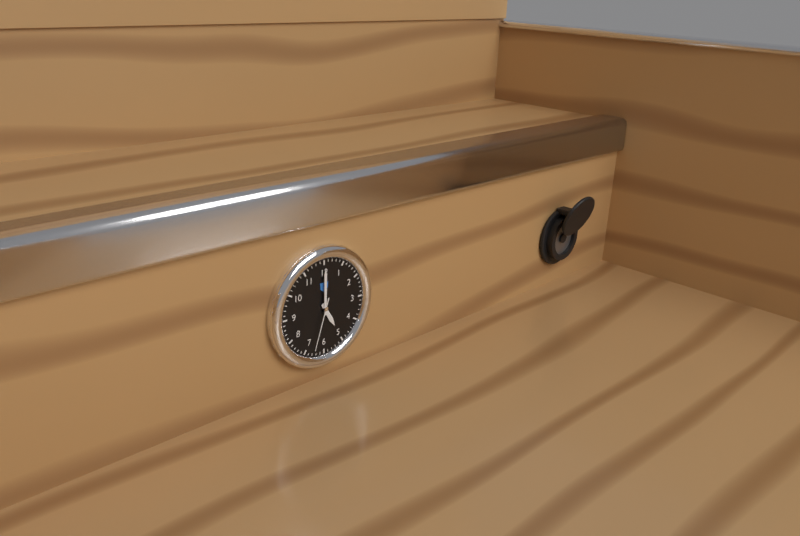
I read 5.00.33
